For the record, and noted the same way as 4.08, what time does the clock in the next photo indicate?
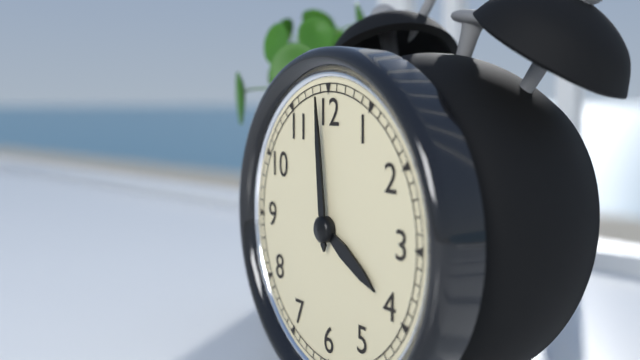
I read 3.59
